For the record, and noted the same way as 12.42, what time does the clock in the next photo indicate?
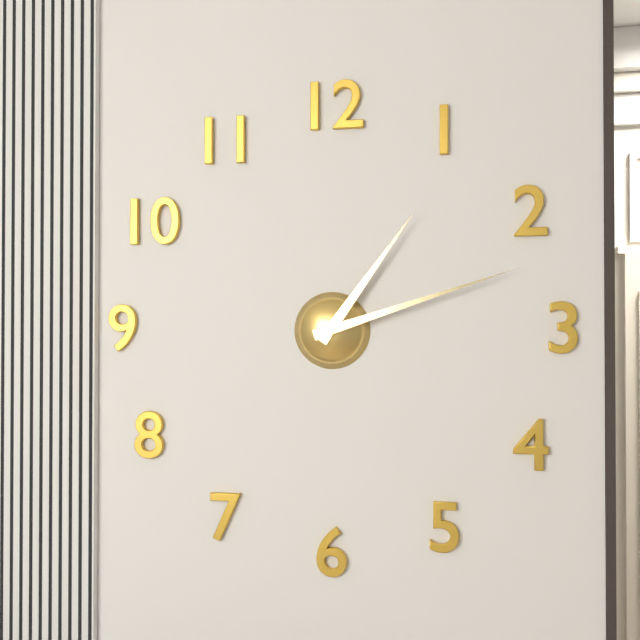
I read 1.12
